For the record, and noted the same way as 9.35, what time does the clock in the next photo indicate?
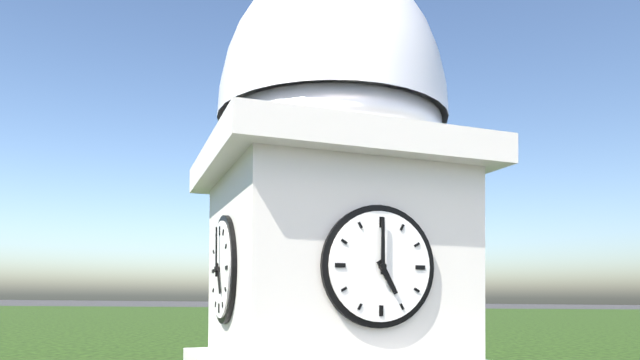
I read 5.00
